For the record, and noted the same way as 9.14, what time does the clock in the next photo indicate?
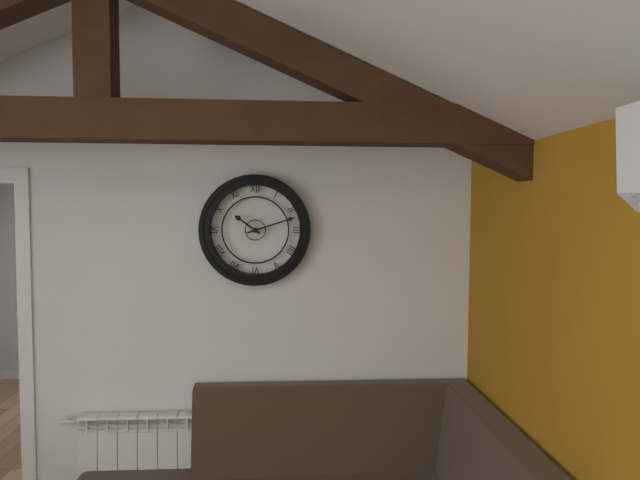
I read 10.12
